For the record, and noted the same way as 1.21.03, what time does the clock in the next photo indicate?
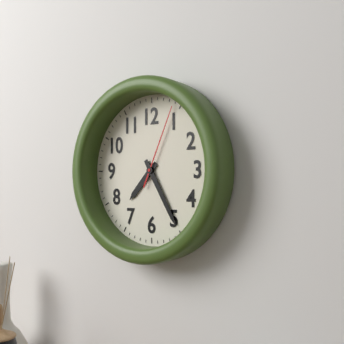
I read 7.25.04
